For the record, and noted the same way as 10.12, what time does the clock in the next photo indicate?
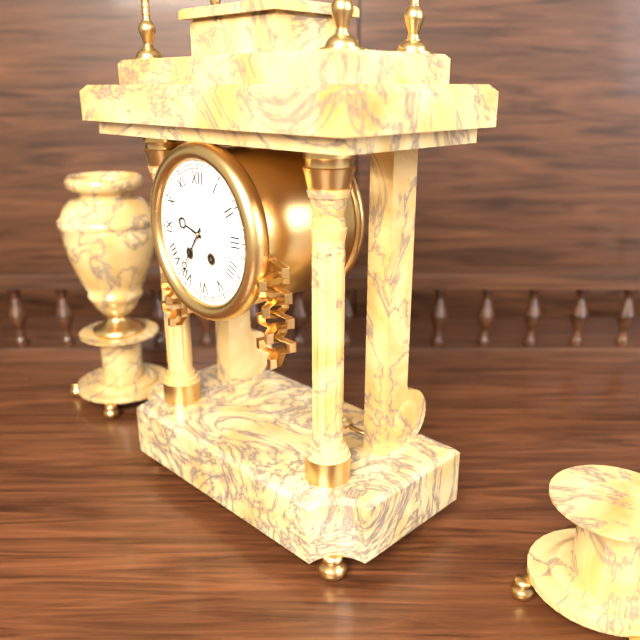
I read 9.36
